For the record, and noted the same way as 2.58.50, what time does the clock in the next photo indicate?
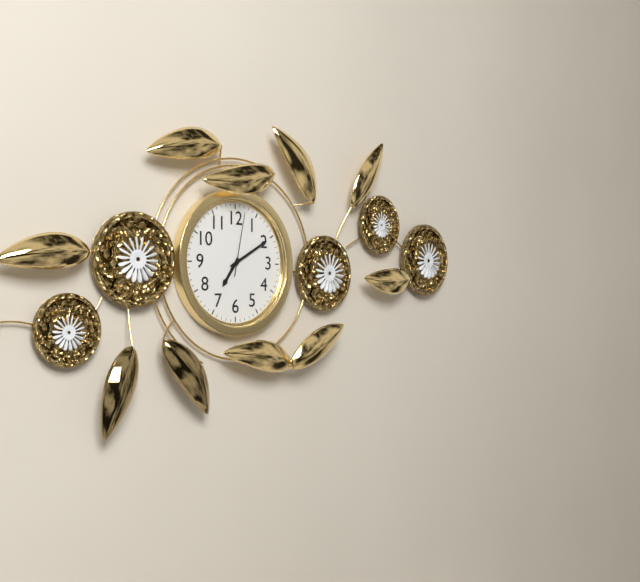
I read 7.10.02
